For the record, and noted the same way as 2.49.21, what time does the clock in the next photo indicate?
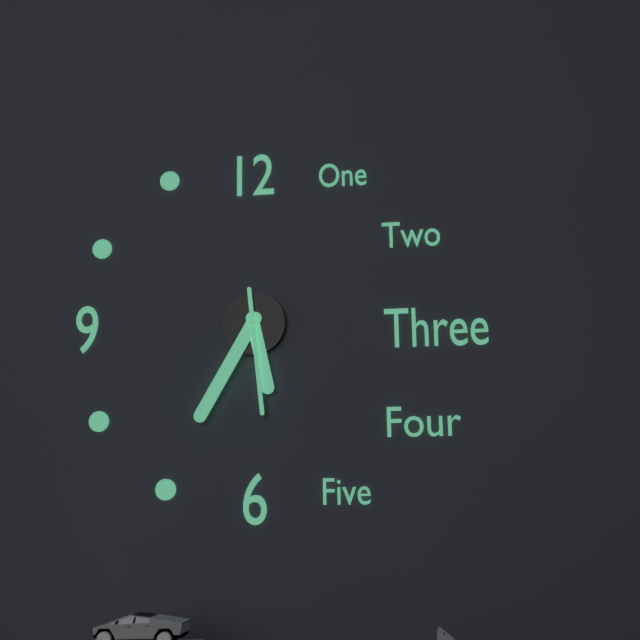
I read 5.35.29
